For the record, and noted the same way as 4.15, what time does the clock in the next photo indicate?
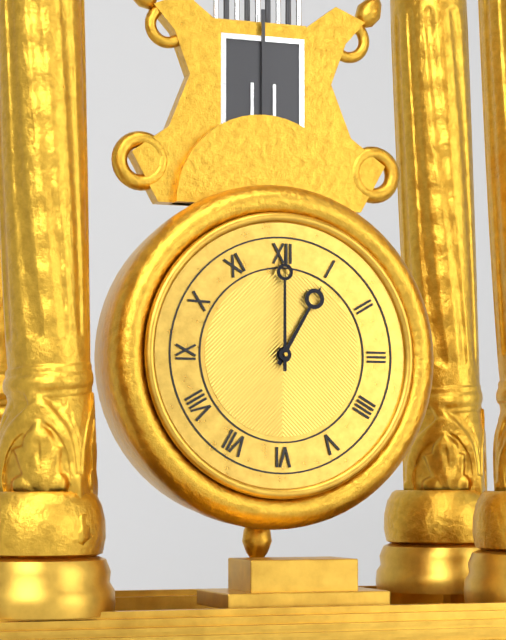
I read 1.00
